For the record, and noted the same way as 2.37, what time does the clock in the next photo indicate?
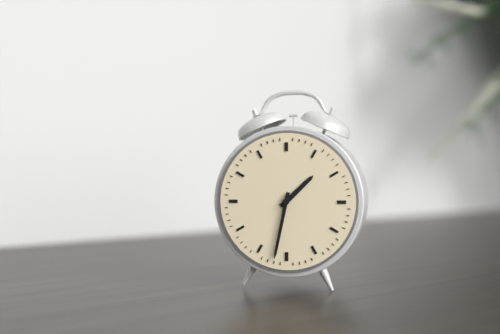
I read 1.32
